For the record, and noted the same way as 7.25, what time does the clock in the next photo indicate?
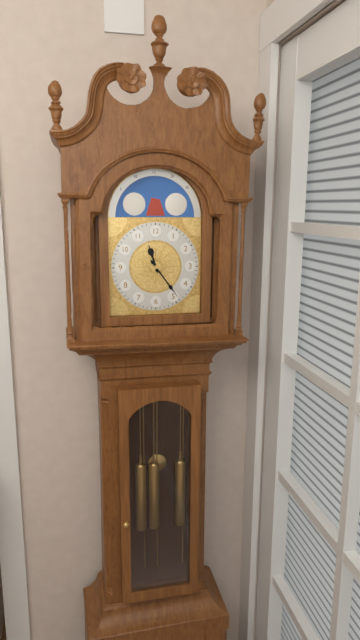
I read 11.24
